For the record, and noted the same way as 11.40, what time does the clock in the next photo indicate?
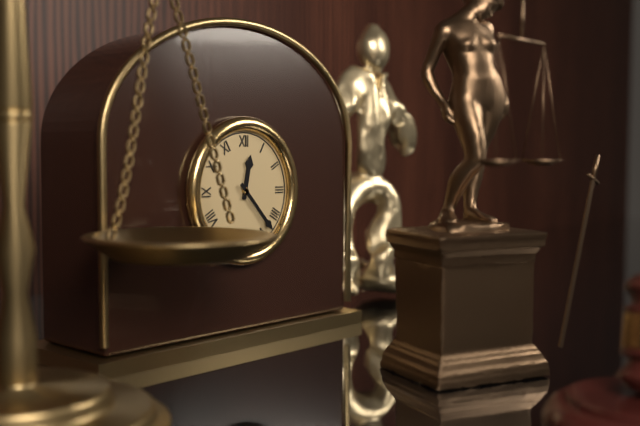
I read 12.23
